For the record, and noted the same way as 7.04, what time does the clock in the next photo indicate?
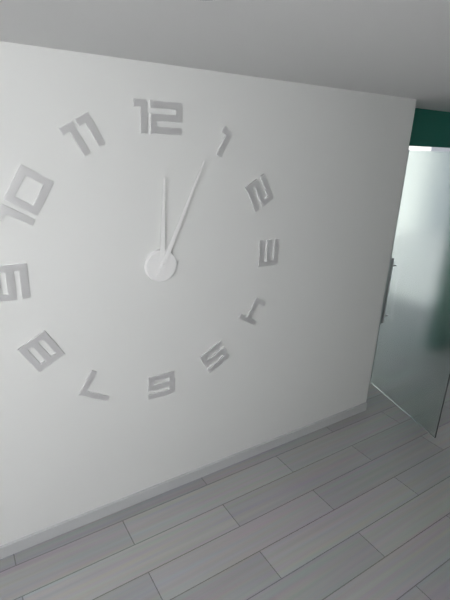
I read 12.04
